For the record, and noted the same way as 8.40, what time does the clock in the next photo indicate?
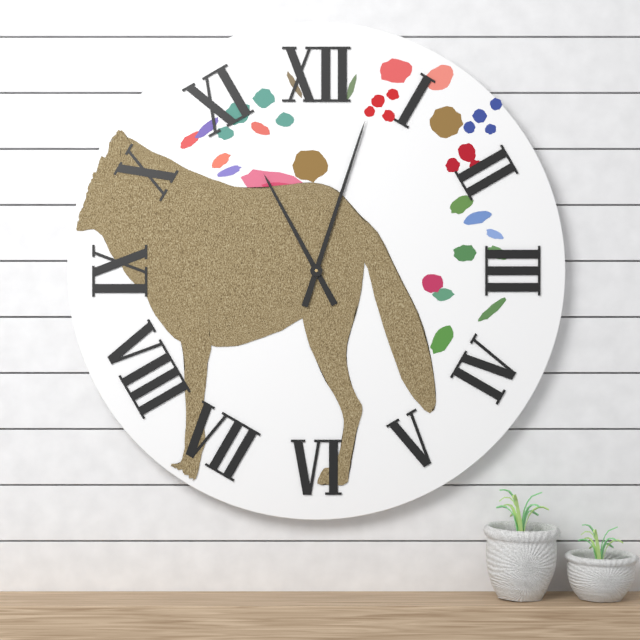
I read 11.03
